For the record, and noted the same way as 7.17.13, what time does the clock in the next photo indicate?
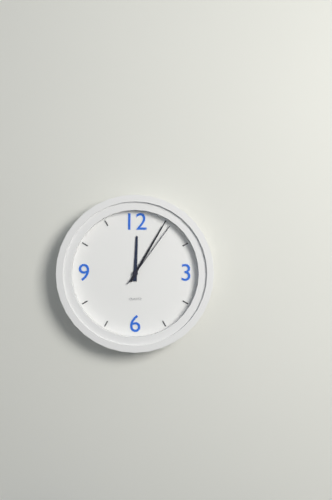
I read 12.05.06
